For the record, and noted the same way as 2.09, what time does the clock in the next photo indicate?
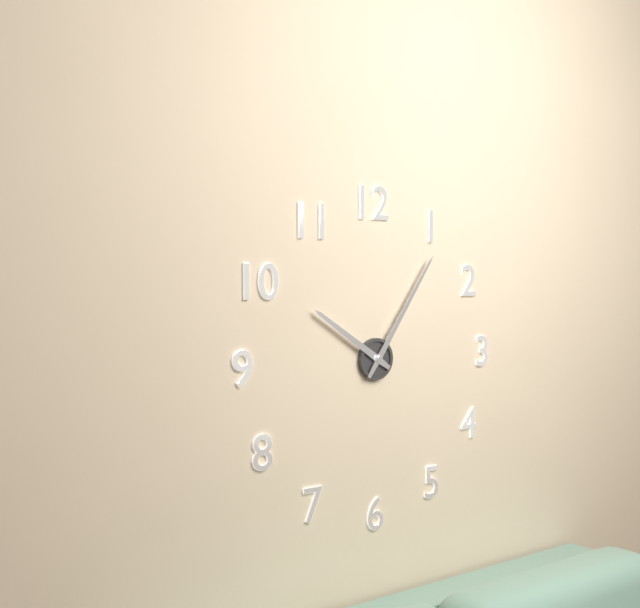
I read 10.06
